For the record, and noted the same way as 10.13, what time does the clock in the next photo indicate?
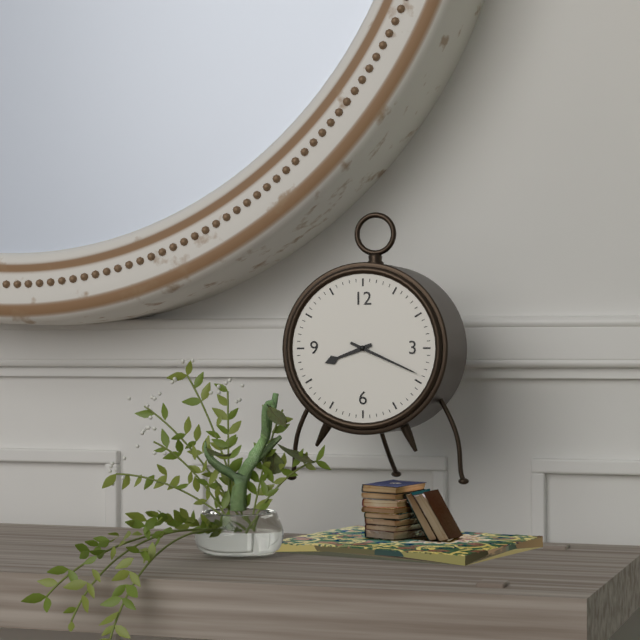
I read 8.19
